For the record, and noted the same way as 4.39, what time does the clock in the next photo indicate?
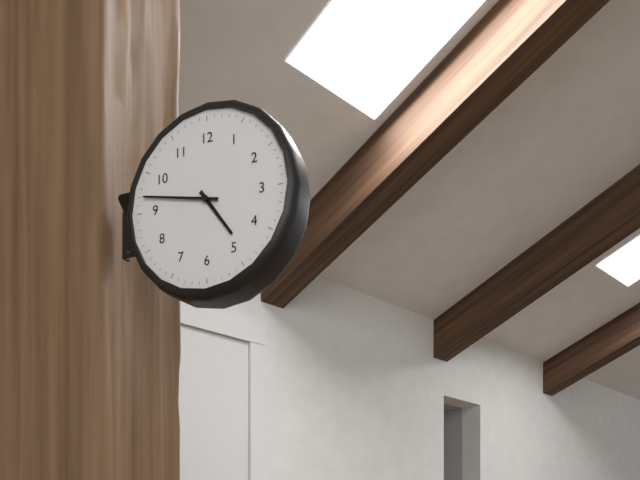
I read 4.47
